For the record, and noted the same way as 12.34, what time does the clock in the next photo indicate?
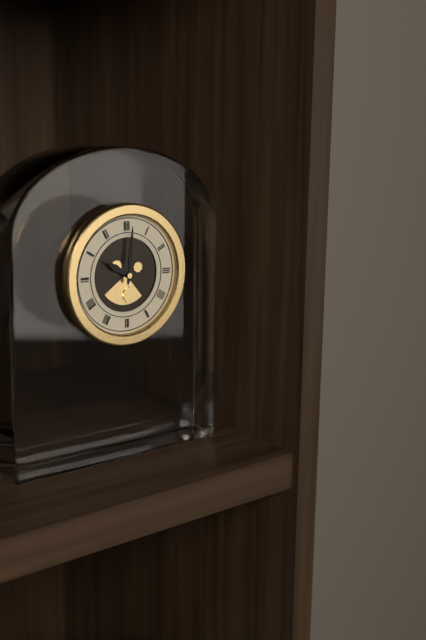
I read 10.01
